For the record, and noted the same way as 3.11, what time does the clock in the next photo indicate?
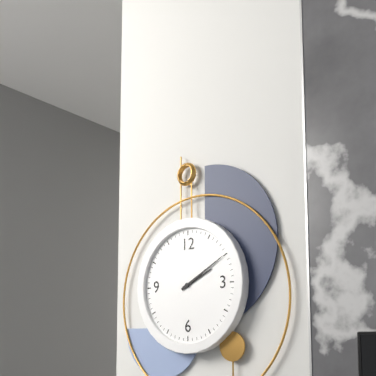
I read 2.10
